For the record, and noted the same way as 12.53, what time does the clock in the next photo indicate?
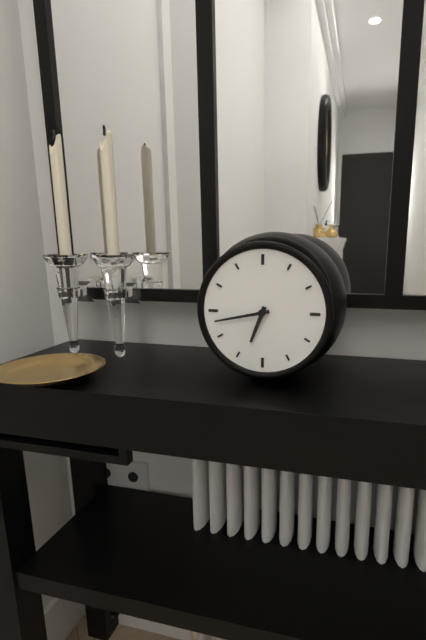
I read 6.43
